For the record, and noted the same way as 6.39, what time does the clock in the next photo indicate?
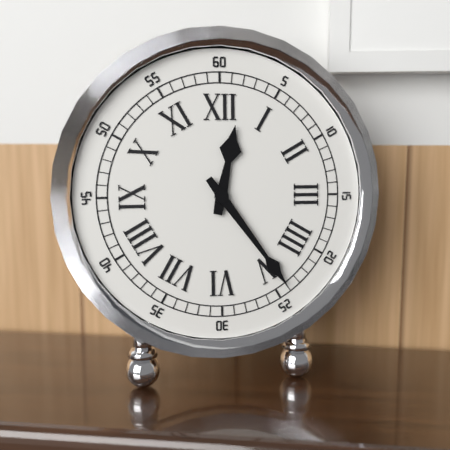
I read 12.24
